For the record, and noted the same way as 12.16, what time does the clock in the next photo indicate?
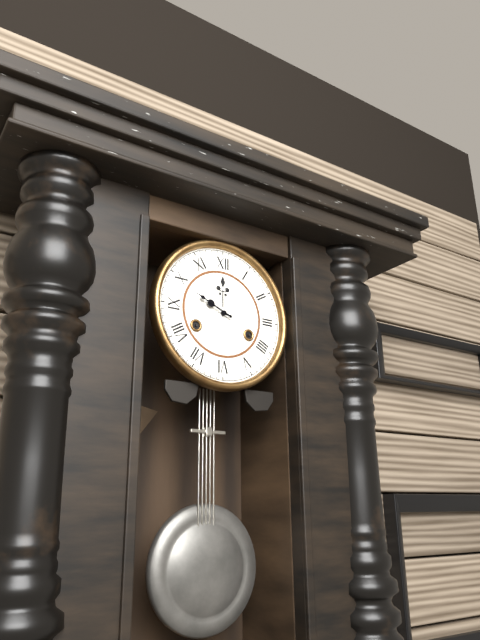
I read 9.49
